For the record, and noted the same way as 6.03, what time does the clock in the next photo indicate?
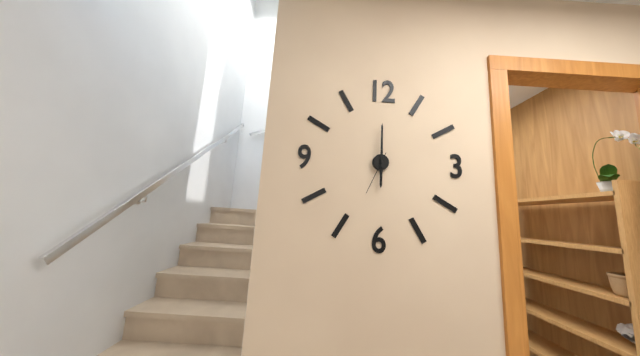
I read 6.00
